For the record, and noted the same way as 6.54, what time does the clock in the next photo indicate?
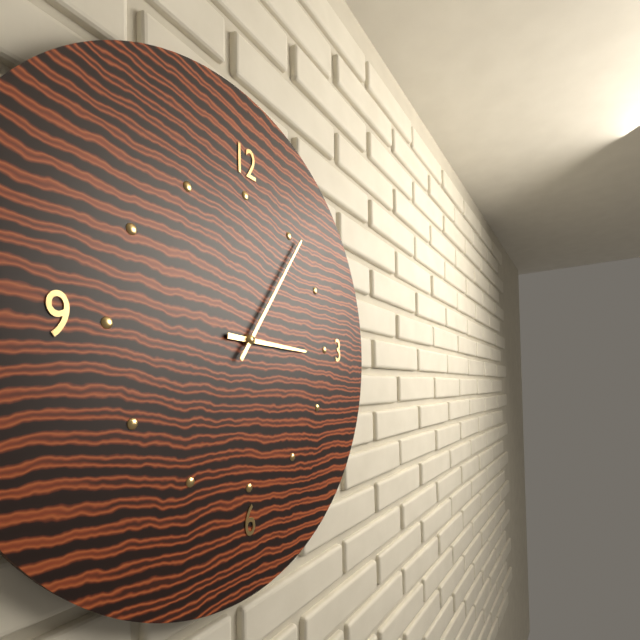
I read 3.06
